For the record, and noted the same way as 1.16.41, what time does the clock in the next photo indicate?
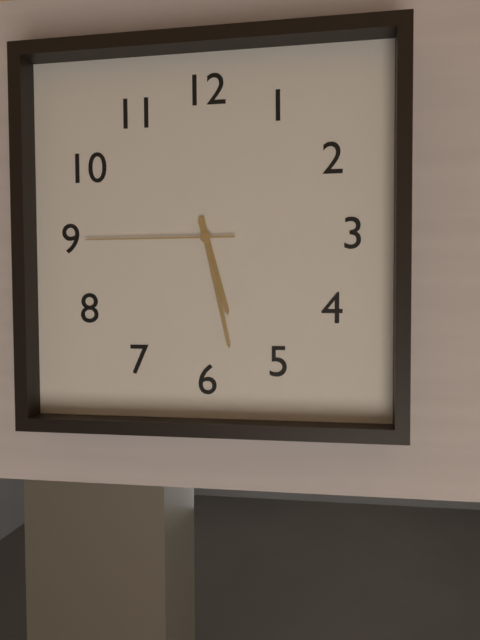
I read 5.28.45
